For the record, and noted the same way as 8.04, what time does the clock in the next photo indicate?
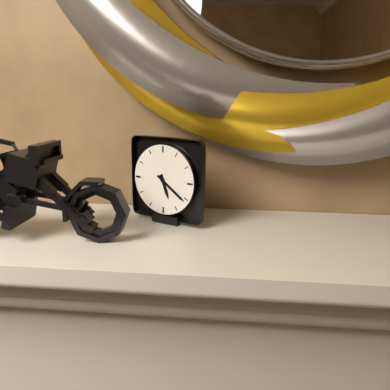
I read 5.21
